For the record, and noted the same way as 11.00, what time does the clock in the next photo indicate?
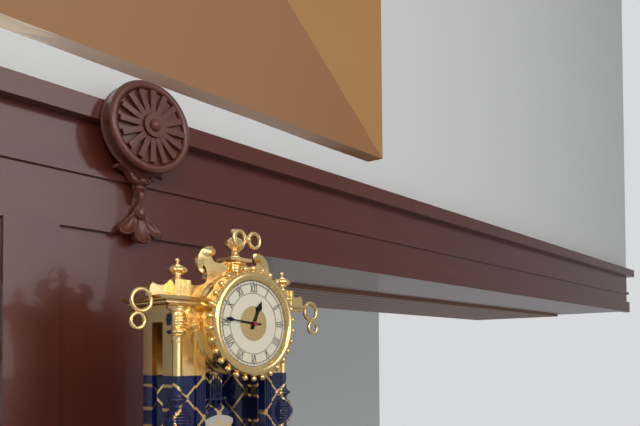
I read 12.46
